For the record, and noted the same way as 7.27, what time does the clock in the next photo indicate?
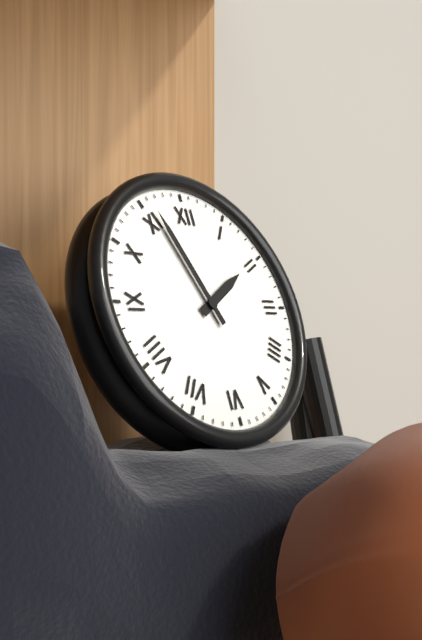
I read 1.56
